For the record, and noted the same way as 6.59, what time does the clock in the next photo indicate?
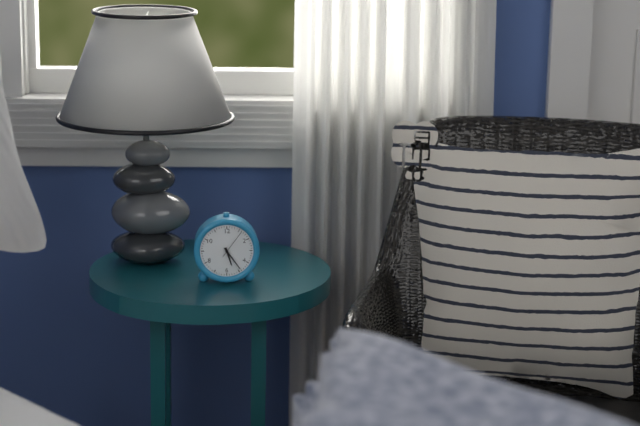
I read 5.24
